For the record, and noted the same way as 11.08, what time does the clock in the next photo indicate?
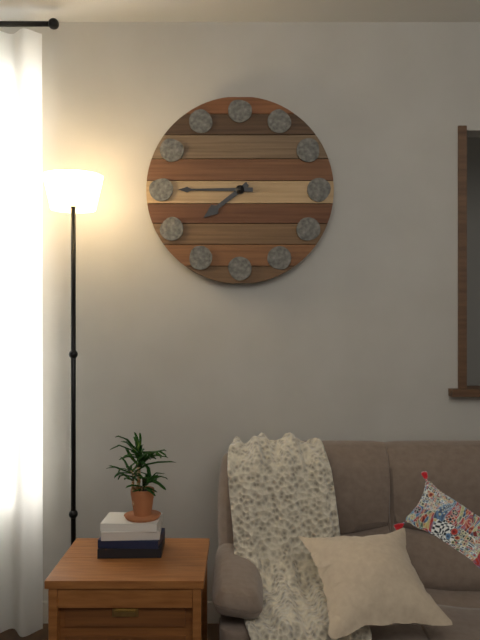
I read 7.45
